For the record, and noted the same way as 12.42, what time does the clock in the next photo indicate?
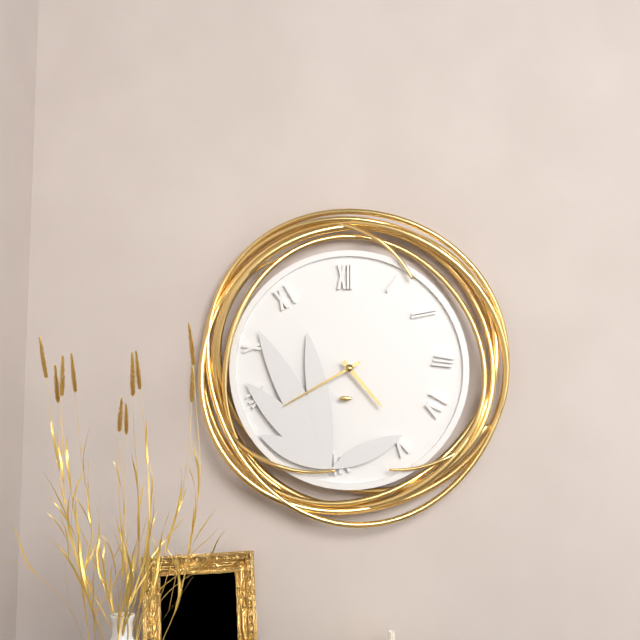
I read 4.40
